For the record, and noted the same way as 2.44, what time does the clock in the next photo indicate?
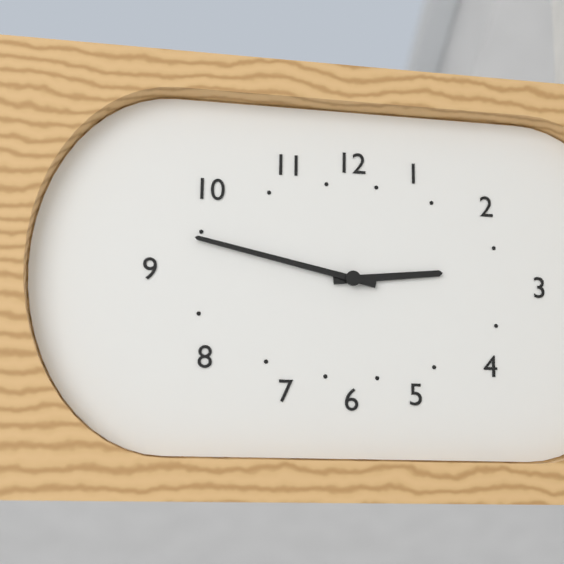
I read 2.47
